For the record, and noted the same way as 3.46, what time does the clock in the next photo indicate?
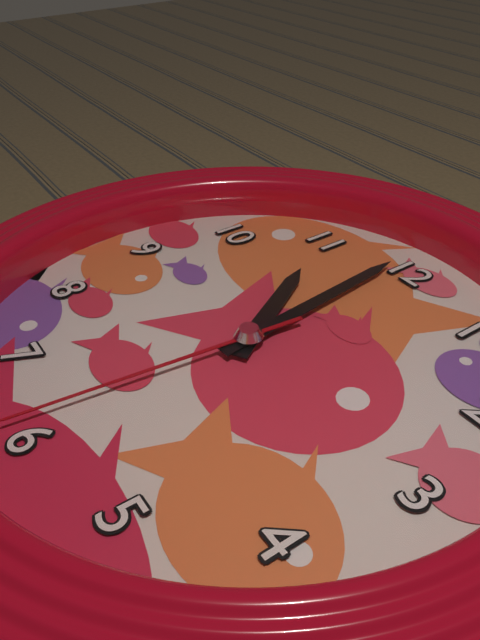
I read 10.59
